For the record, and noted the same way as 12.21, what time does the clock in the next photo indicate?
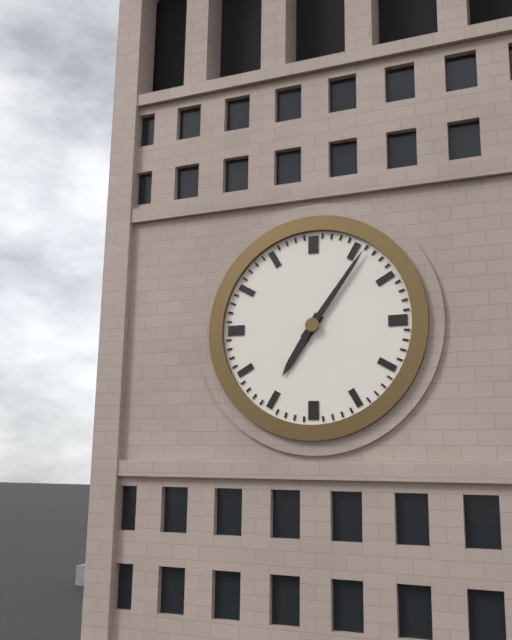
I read 7.06
